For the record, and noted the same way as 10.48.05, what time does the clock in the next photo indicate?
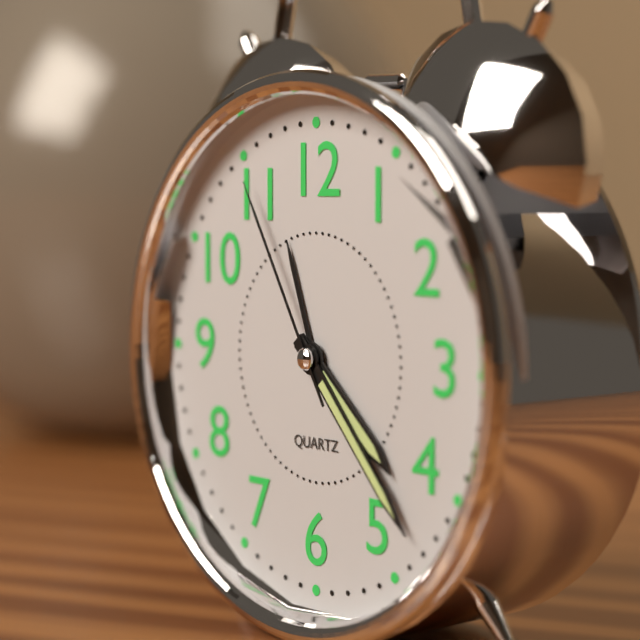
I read 4.23.55
